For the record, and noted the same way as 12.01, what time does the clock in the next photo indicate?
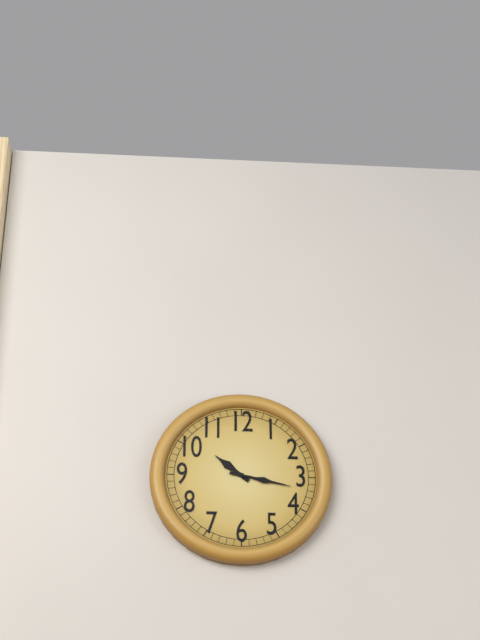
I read 10.17
